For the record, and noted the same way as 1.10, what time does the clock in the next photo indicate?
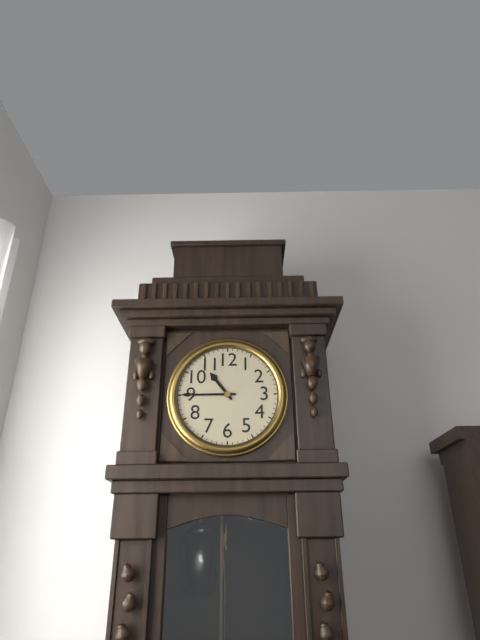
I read 10.45
